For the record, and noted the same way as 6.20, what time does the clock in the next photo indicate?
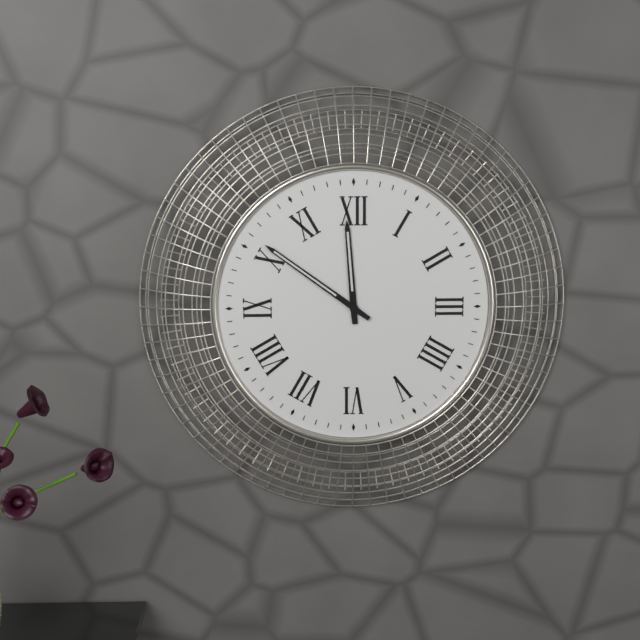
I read 11.51
